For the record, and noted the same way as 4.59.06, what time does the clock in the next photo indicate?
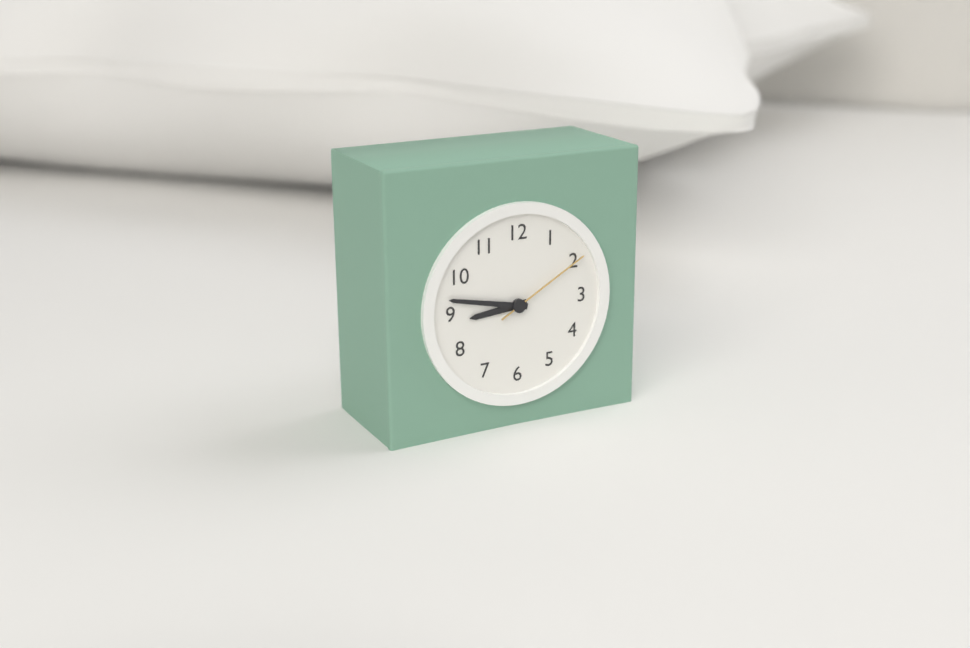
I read 8.47.10
